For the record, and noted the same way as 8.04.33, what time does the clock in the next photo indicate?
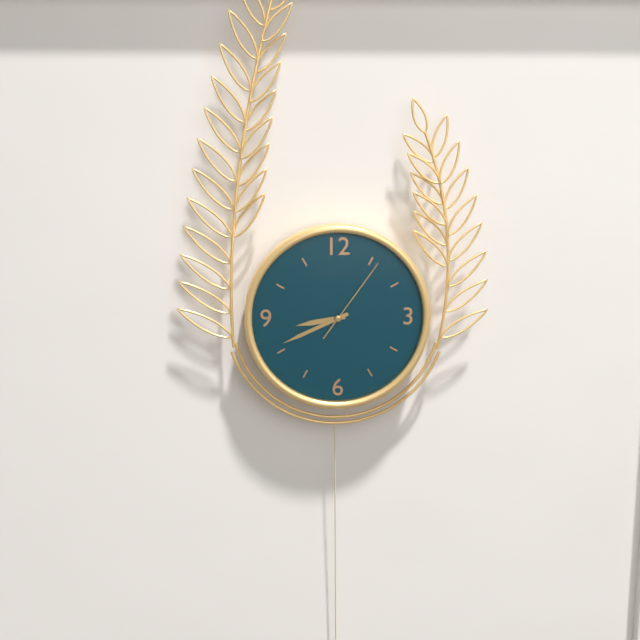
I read 8.41.06
